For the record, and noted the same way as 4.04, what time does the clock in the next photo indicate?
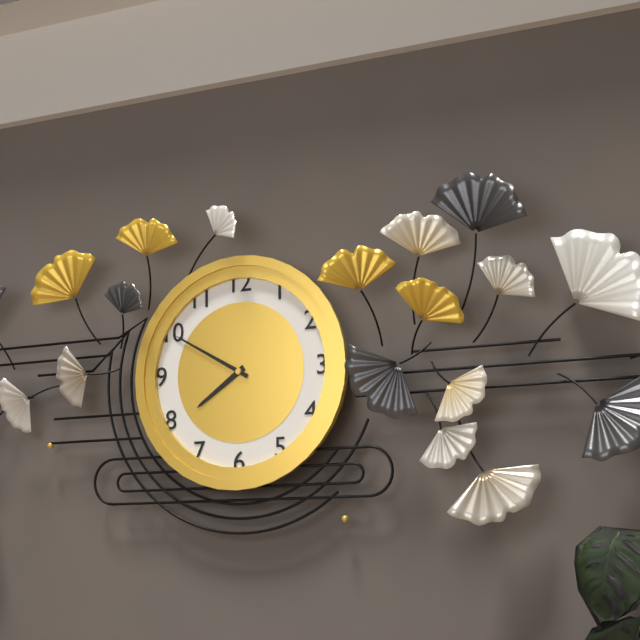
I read 7.50
